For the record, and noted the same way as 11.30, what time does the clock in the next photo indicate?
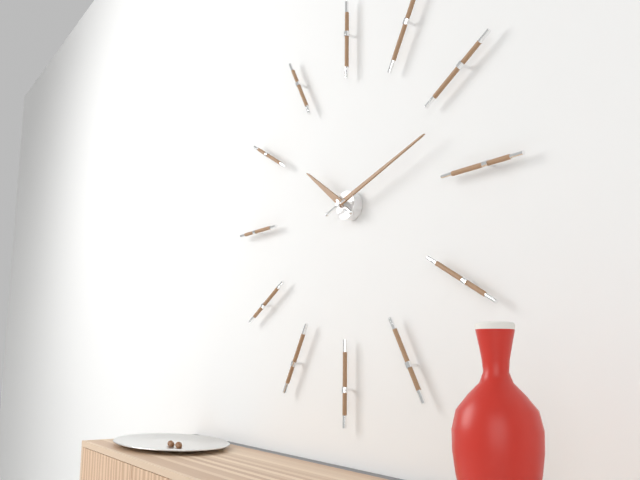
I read 10.12
